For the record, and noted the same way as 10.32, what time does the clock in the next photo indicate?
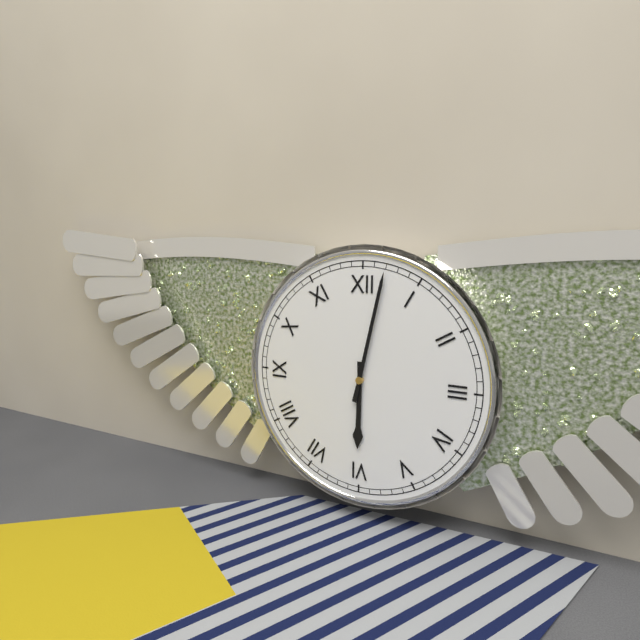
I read 6.02
